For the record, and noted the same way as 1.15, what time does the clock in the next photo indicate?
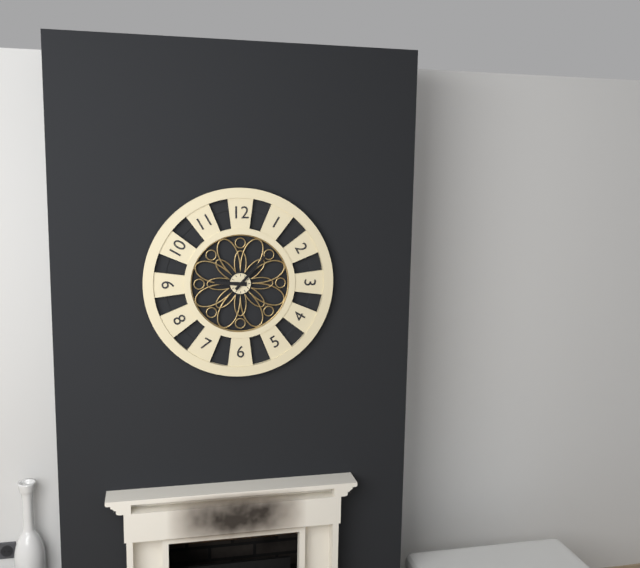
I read 9.07
